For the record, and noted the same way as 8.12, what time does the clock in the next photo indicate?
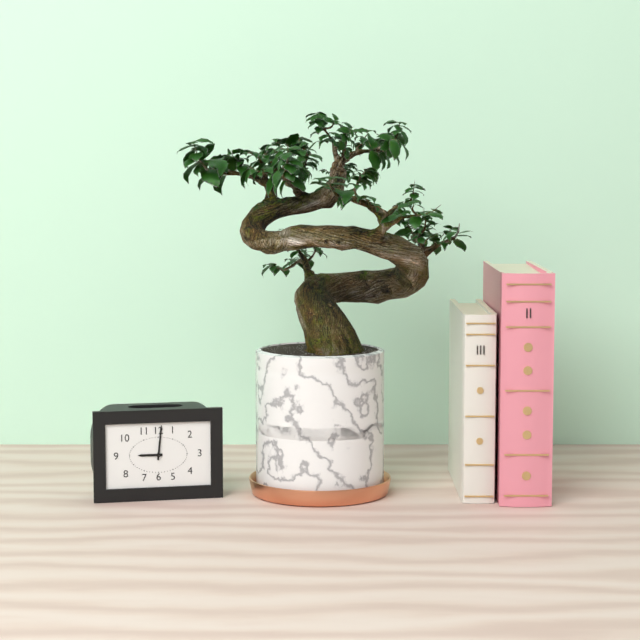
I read 9.01
